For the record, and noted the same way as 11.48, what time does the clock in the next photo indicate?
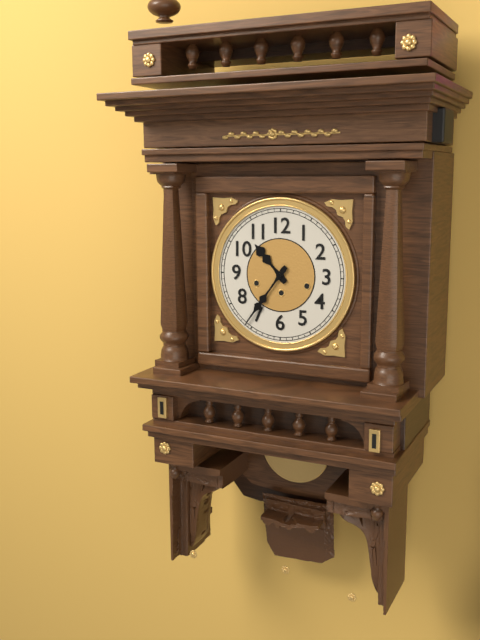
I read 10.36
